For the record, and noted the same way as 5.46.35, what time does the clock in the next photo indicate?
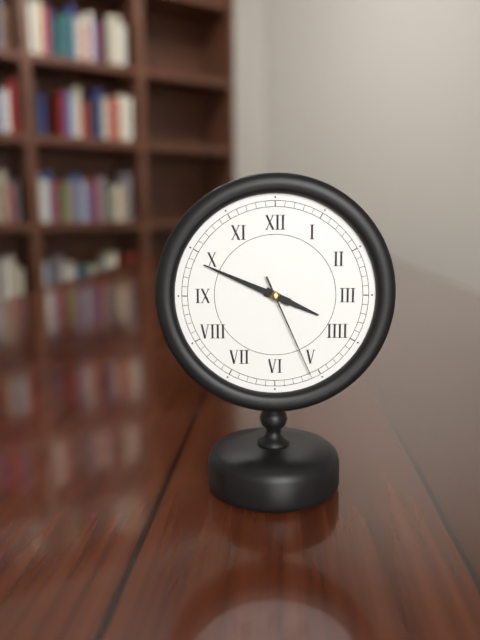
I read 3.49.26
